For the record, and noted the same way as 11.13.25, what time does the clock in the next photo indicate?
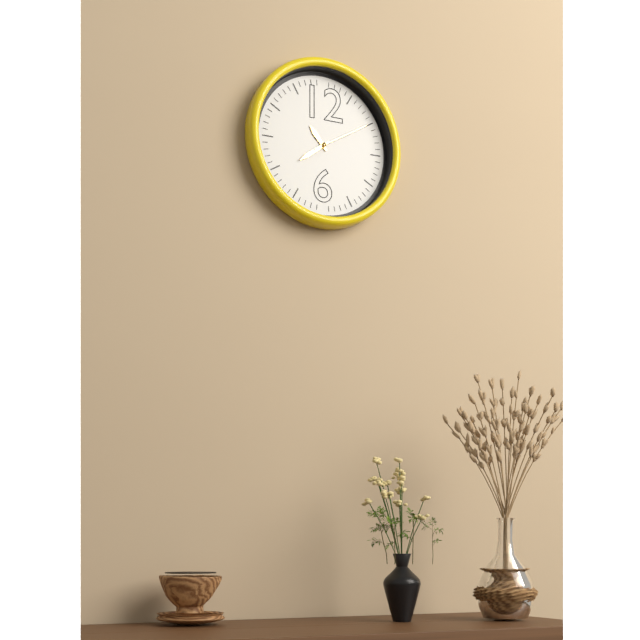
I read 10.39.10
